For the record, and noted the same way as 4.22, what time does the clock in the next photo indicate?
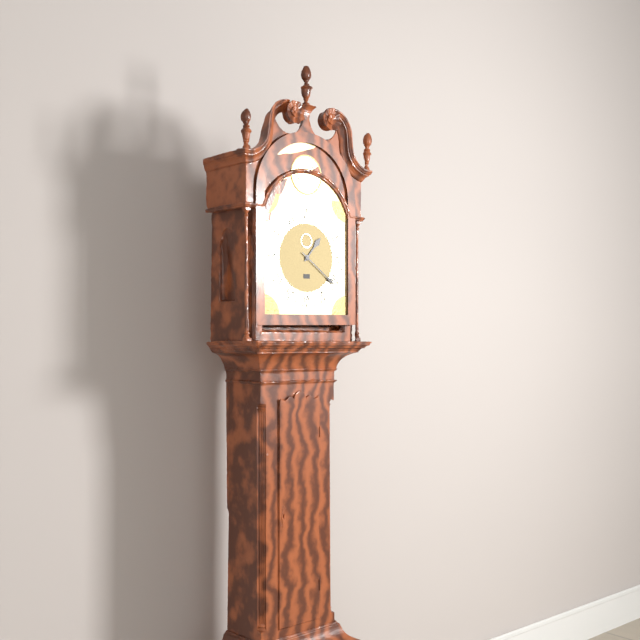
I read 1.21
